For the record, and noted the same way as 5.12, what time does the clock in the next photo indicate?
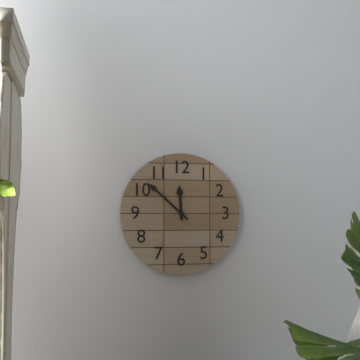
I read 11.52
